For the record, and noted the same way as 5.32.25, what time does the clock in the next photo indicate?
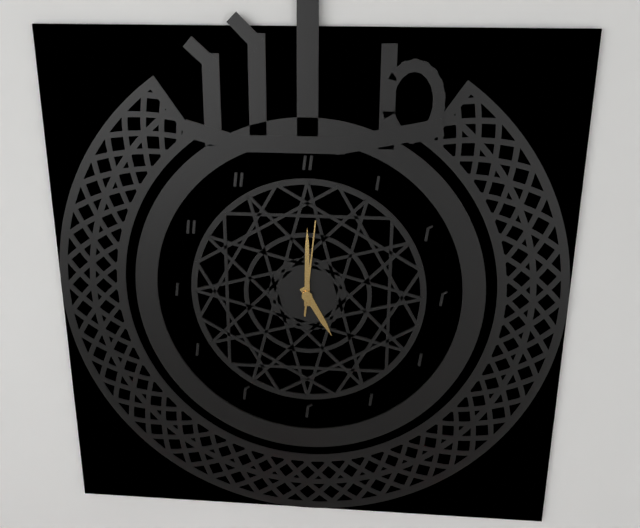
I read 5.00.01
